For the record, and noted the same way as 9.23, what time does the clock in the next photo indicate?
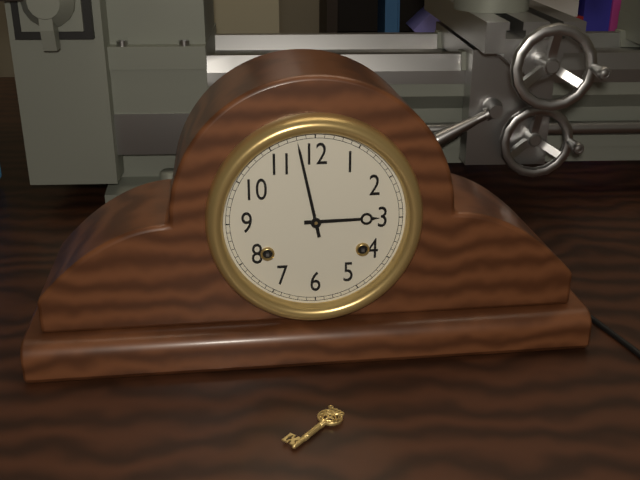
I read 2.58
